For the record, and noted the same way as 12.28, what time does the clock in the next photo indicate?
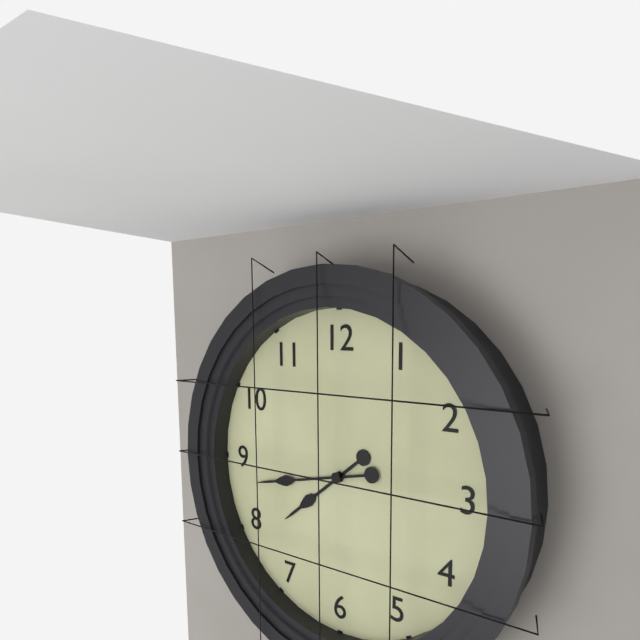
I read 7.43
